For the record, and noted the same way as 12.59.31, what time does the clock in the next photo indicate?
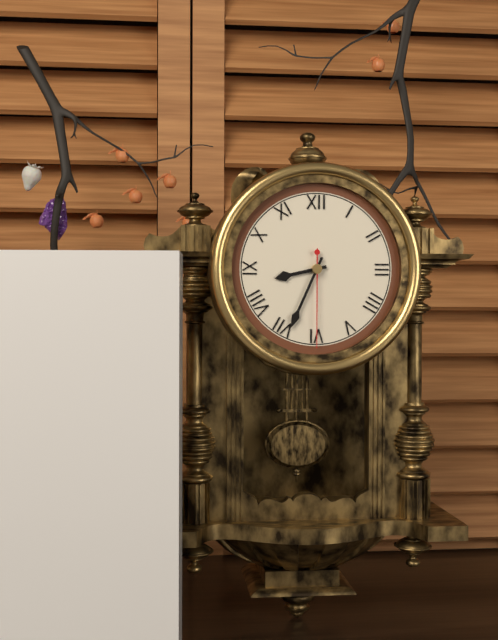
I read 8.34.30
